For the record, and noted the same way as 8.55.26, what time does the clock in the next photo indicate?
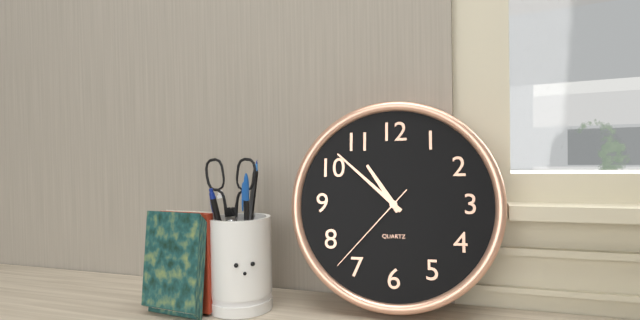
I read 10.52.37
